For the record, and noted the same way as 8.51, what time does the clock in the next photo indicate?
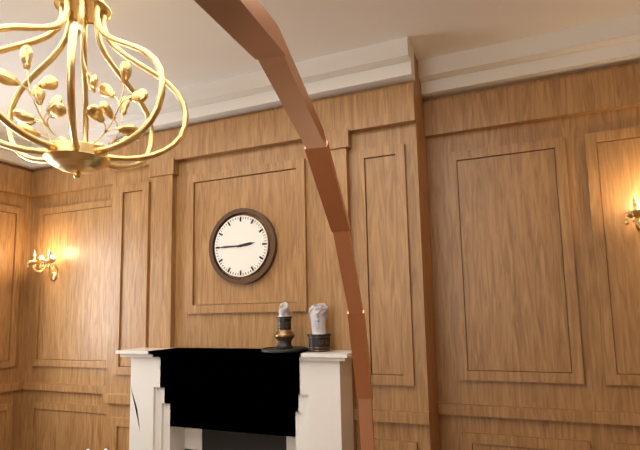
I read 2.45
